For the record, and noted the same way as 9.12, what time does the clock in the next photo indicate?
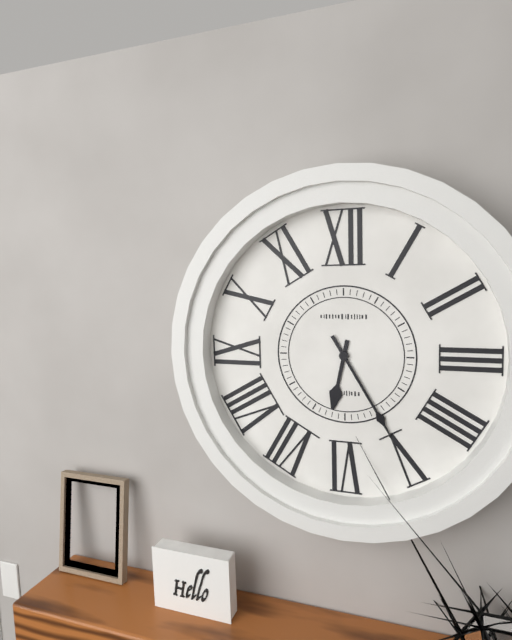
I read 6.25
